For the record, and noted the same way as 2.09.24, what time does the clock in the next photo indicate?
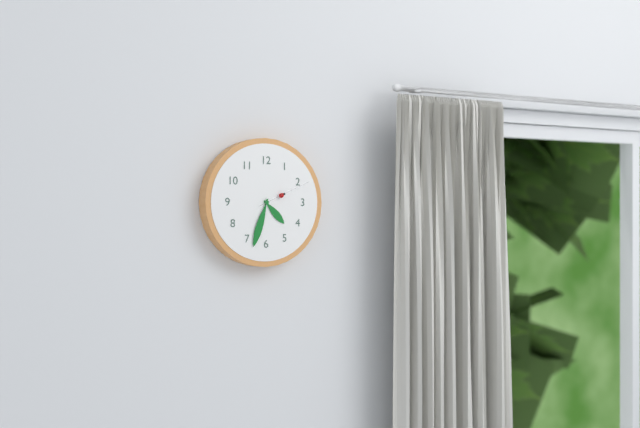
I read 4.33.11
